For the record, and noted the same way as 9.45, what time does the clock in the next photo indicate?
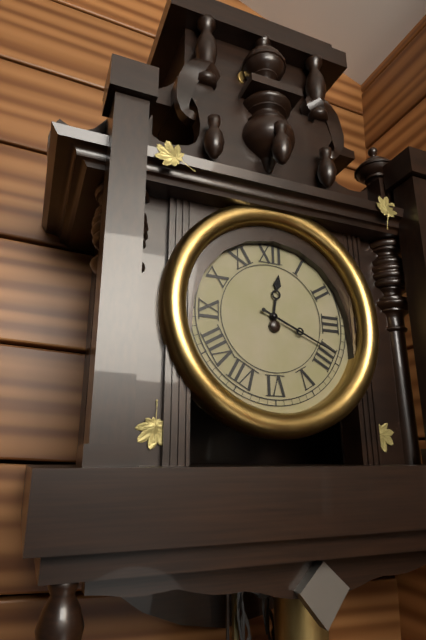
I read 12.19
